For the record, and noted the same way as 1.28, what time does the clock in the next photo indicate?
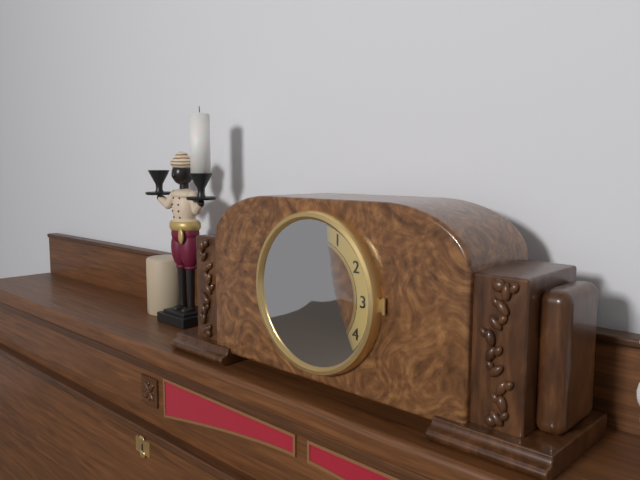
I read 7.31
